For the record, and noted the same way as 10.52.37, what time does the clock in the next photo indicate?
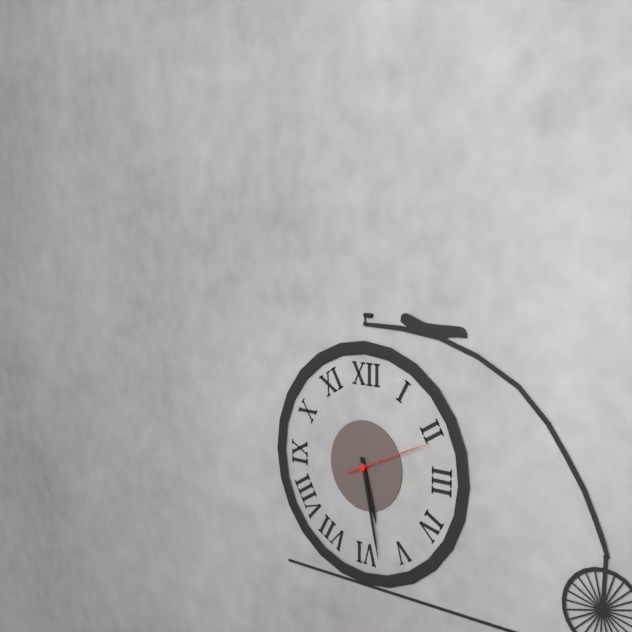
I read 5.28.11
